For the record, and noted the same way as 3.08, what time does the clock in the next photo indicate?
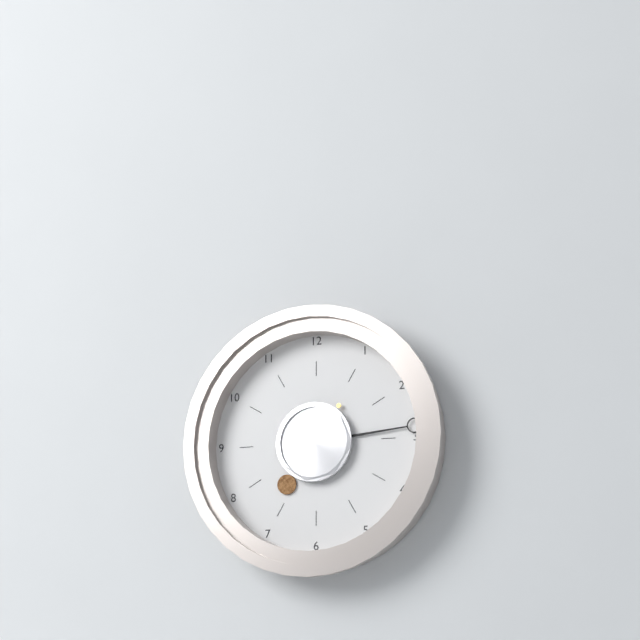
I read 7.14
